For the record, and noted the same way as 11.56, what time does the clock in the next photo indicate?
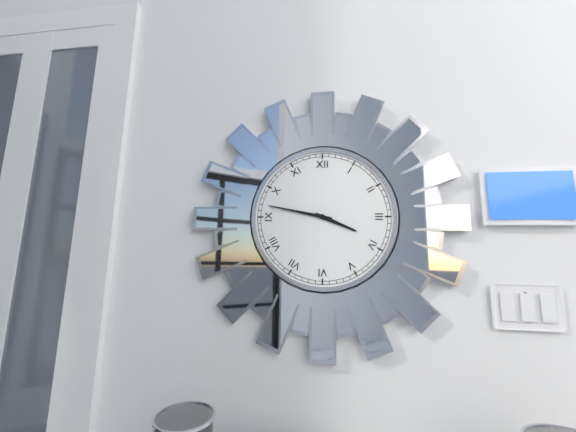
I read 3.47
